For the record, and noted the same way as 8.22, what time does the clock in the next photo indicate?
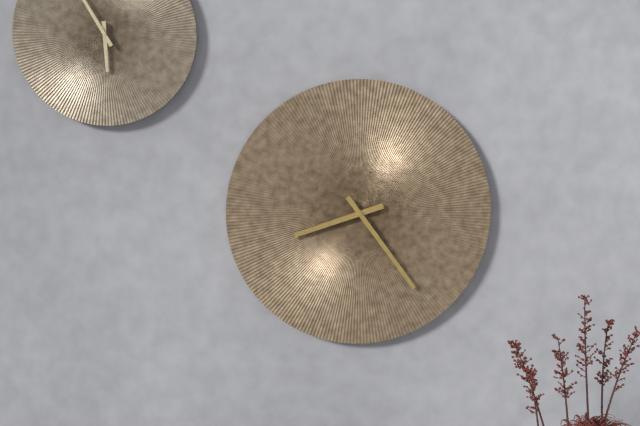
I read 8.24
